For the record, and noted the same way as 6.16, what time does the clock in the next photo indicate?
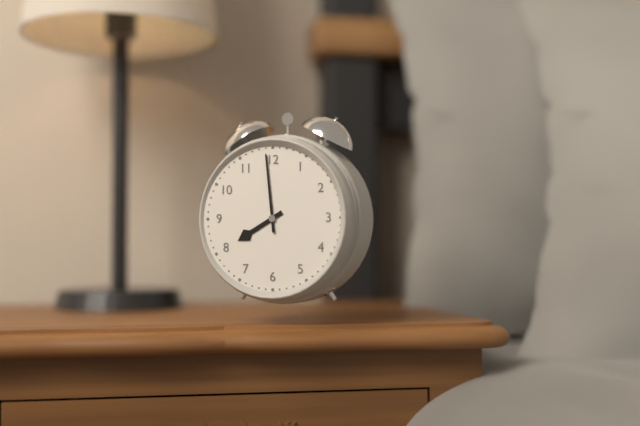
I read 7.59
